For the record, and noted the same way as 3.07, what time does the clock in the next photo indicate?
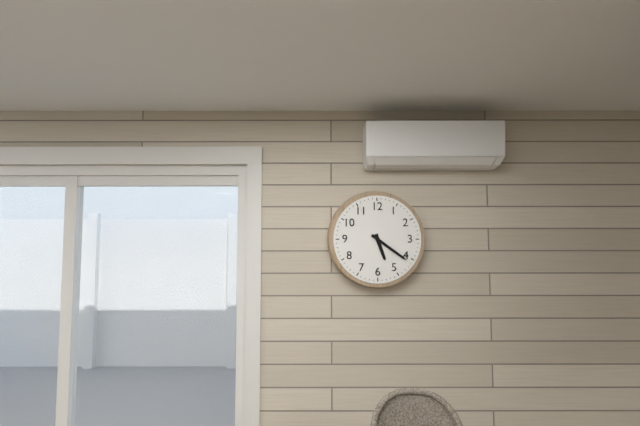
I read 5.21
